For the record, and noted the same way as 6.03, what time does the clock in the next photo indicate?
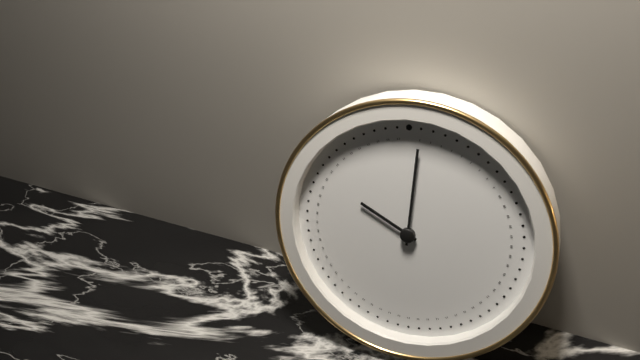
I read 10.01
